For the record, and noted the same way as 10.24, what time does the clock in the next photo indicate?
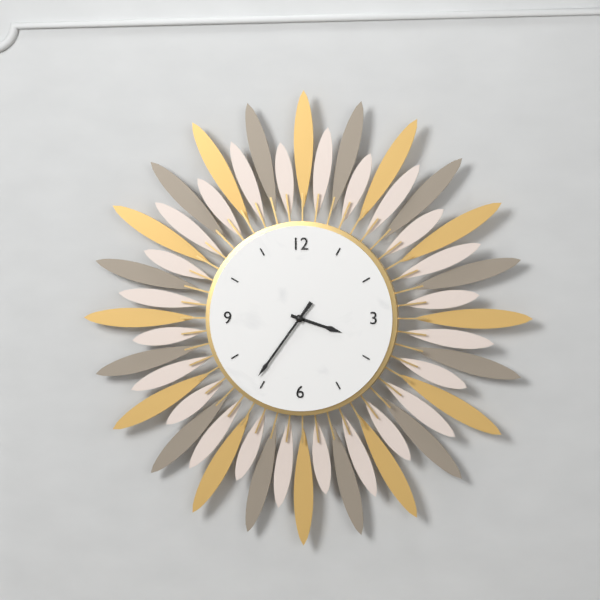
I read 3.36
